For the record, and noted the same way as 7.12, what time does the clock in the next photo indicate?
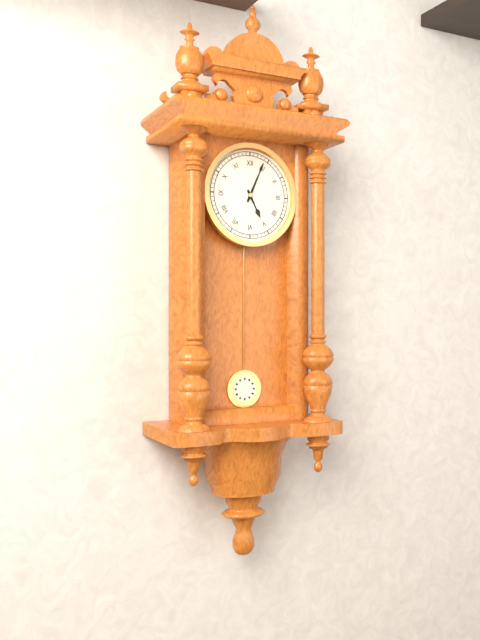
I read 5.04
